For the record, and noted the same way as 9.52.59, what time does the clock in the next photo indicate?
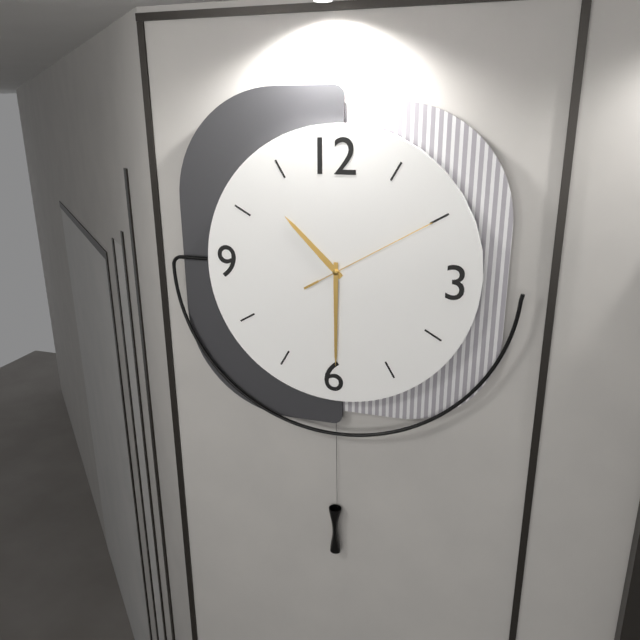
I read 10.30.10
